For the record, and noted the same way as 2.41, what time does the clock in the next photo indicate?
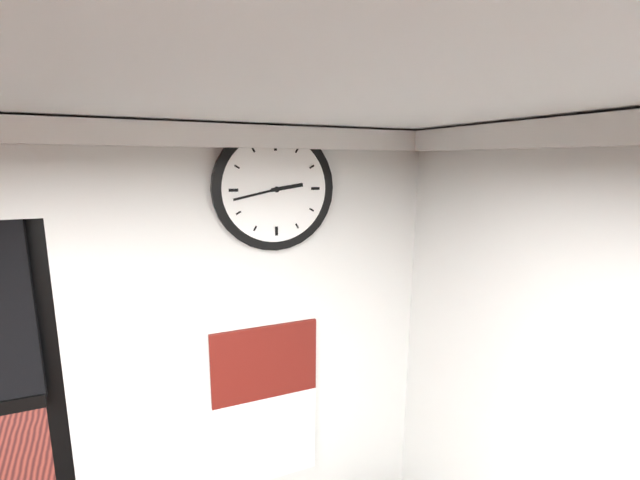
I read 2.43
